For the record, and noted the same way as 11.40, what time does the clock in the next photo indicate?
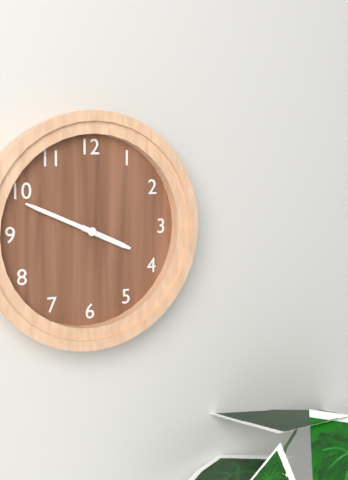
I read 3.49
